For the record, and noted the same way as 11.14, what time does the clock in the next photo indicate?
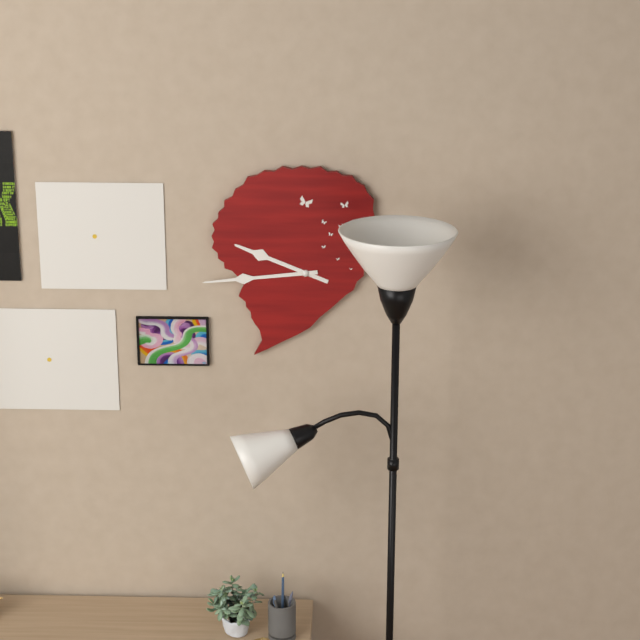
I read 9.44
